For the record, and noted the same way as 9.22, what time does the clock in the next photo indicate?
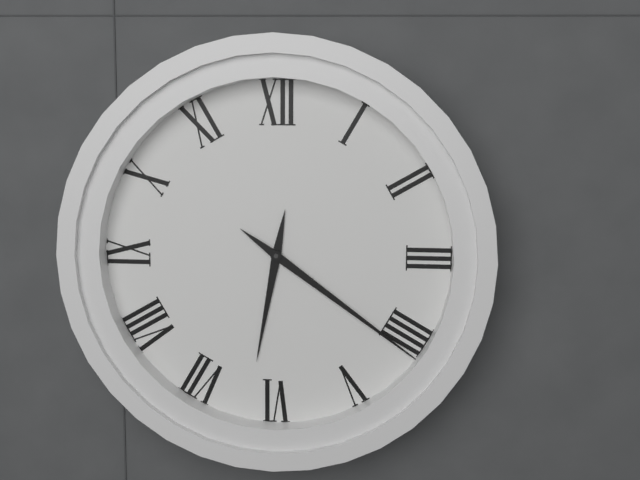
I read 6.21
